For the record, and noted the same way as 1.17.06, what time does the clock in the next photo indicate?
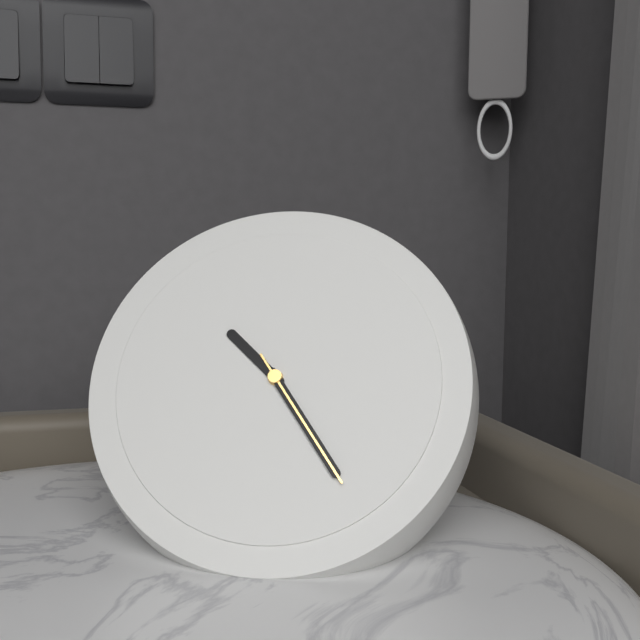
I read 10.24.24
